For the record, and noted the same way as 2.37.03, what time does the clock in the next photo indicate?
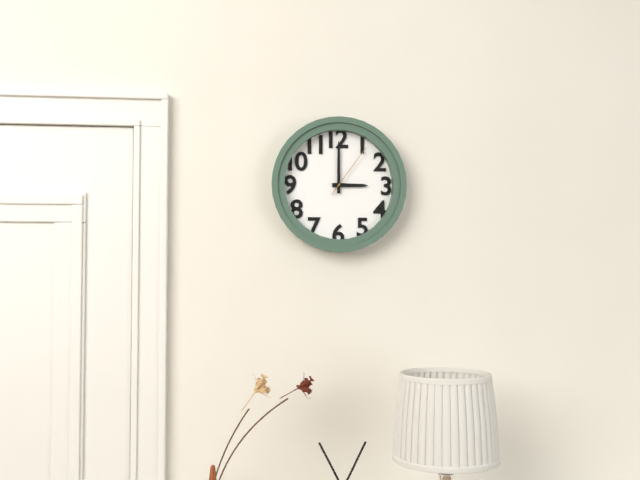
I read 3.00.06
